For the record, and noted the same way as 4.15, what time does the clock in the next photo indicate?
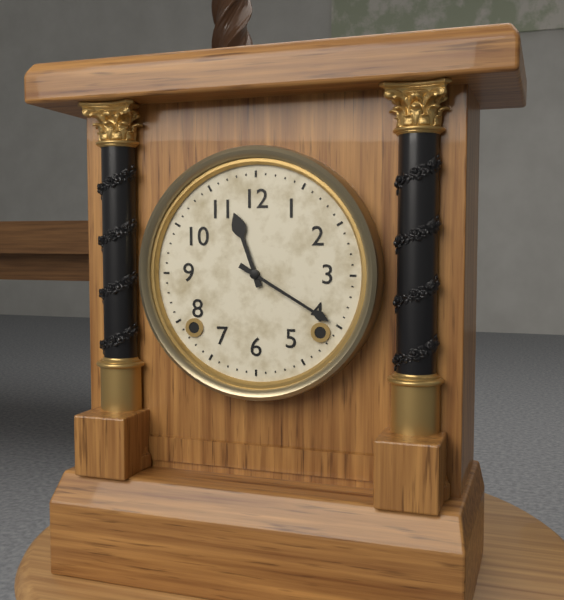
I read 11.20
